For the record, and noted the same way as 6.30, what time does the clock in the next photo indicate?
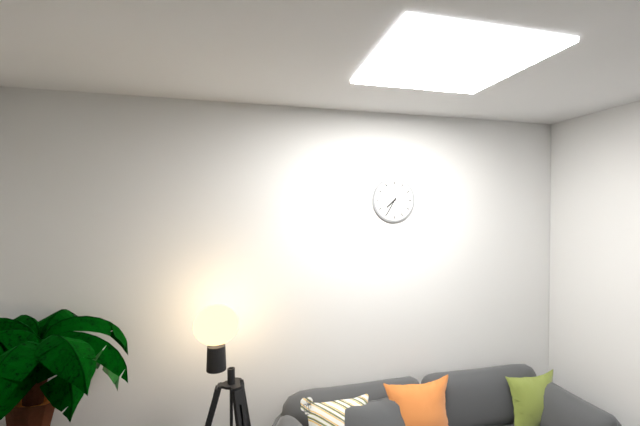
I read 7.35
